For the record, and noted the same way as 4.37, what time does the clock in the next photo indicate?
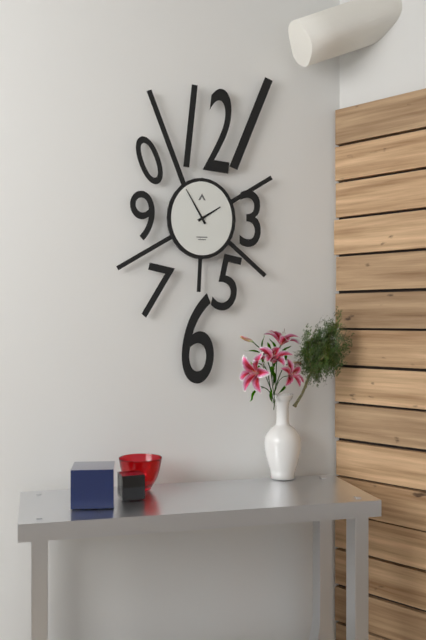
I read 1.55
